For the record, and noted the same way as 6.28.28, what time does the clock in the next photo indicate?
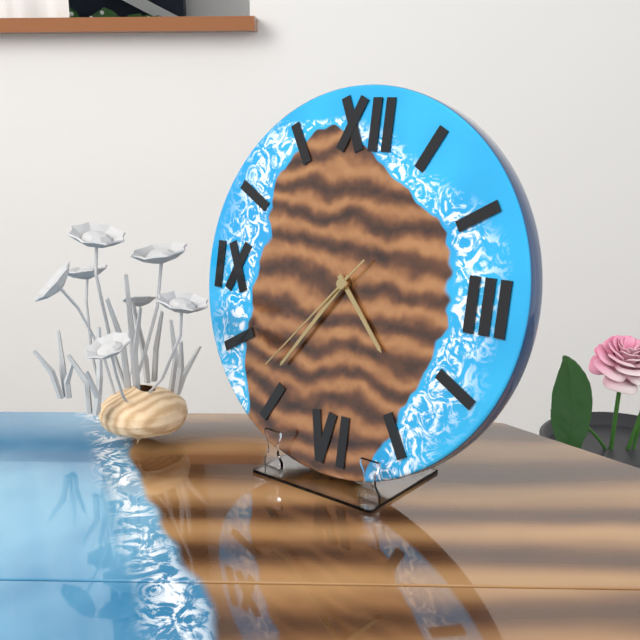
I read 4.36.37
